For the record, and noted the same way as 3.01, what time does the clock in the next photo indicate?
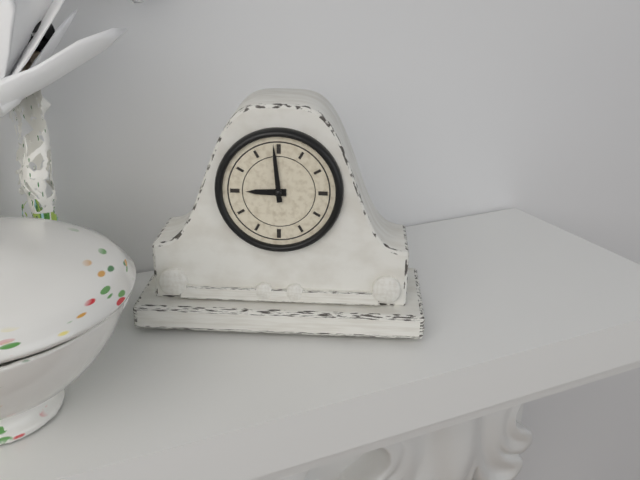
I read 8.59
